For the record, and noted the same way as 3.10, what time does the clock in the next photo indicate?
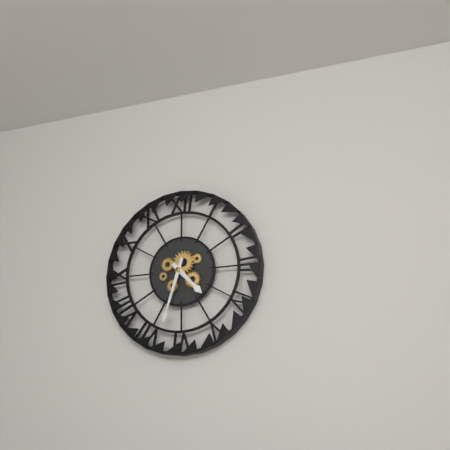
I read 4.33
